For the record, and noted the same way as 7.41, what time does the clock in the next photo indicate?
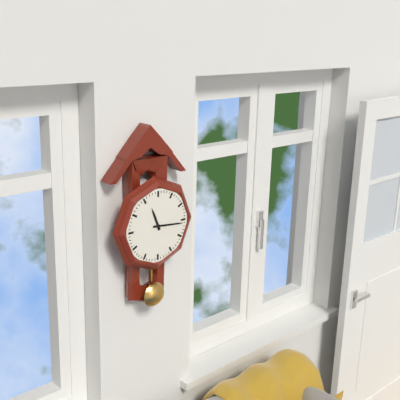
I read 11.16
